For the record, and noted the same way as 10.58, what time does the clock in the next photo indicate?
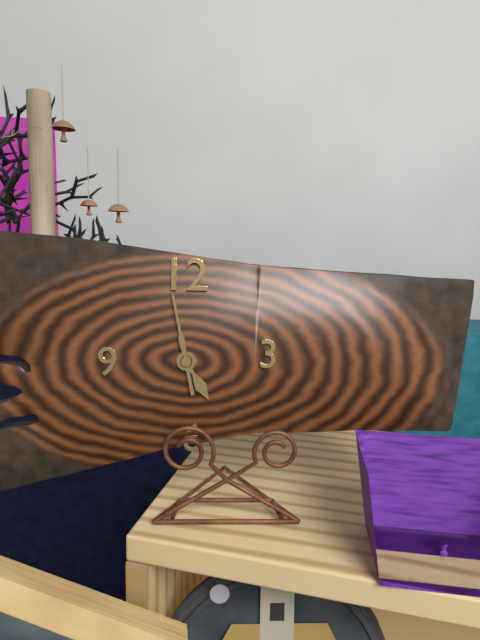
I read 4.58
